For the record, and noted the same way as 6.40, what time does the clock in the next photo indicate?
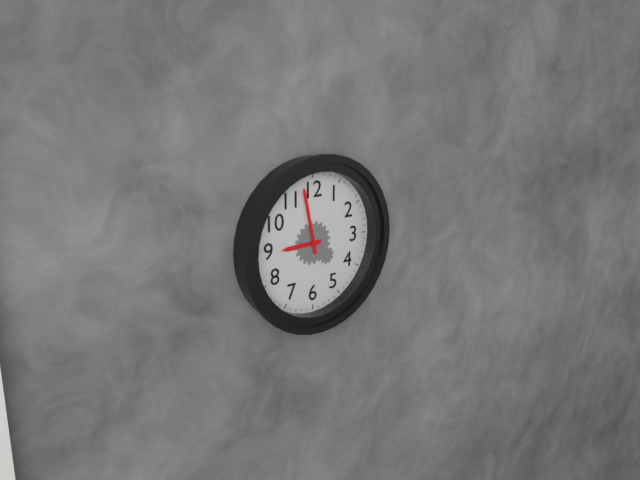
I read 8.58
